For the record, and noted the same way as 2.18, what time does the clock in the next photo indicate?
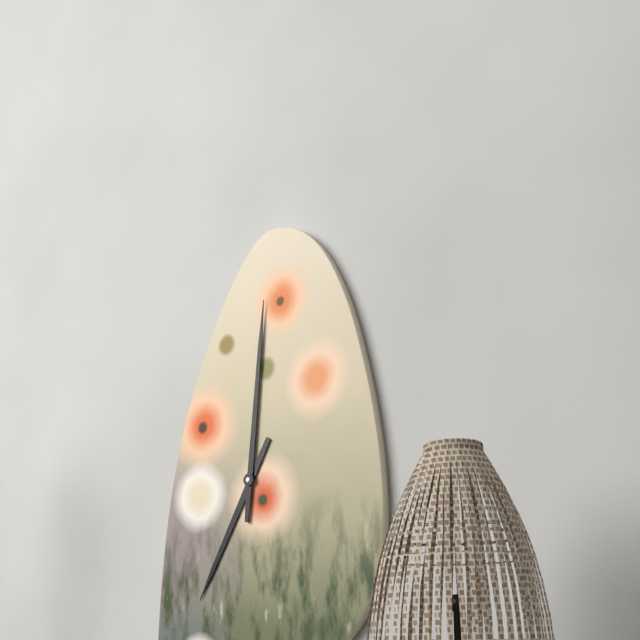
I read 7.01
